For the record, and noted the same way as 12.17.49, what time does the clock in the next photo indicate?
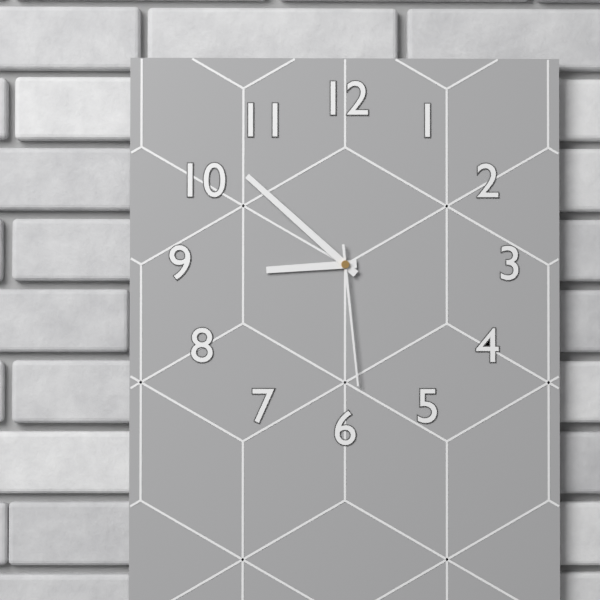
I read 8.52.29
